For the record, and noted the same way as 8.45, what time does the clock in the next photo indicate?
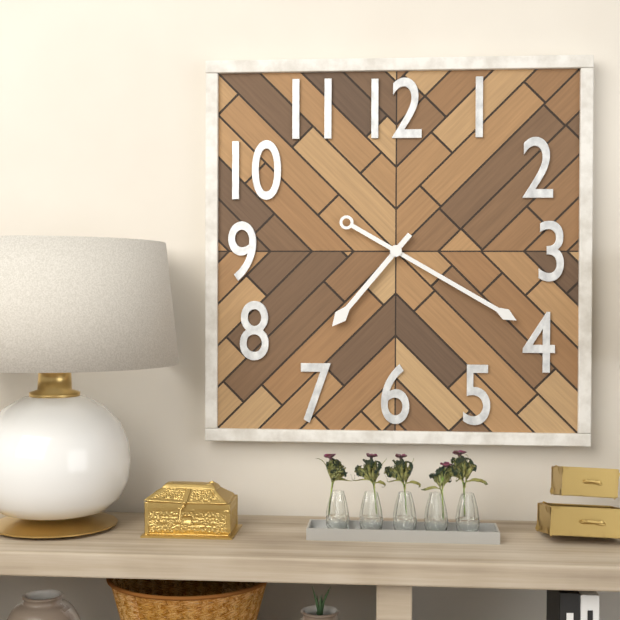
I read 7.20
